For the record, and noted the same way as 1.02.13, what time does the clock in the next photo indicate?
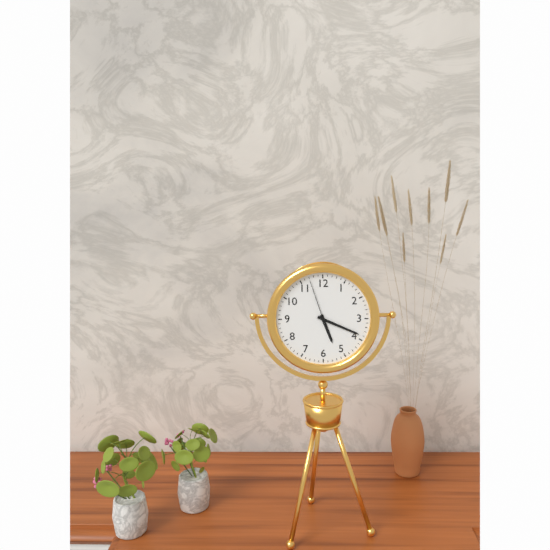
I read 5.19.57
